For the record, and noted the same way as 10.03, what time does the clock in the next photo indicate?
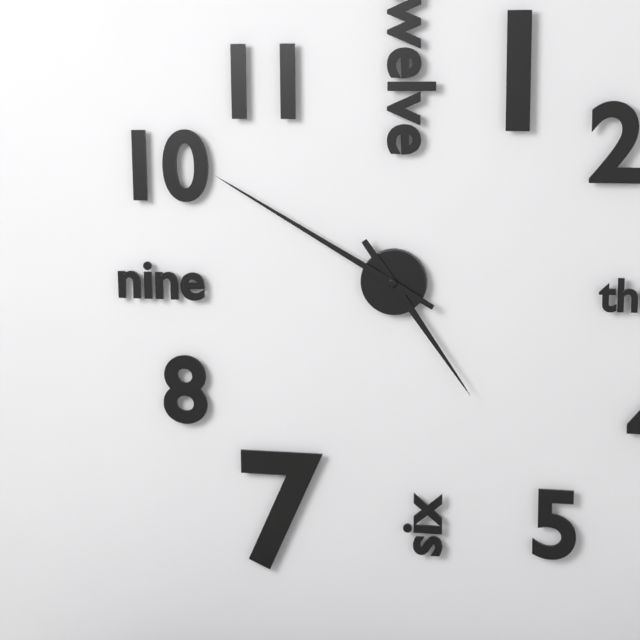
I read 4.50
